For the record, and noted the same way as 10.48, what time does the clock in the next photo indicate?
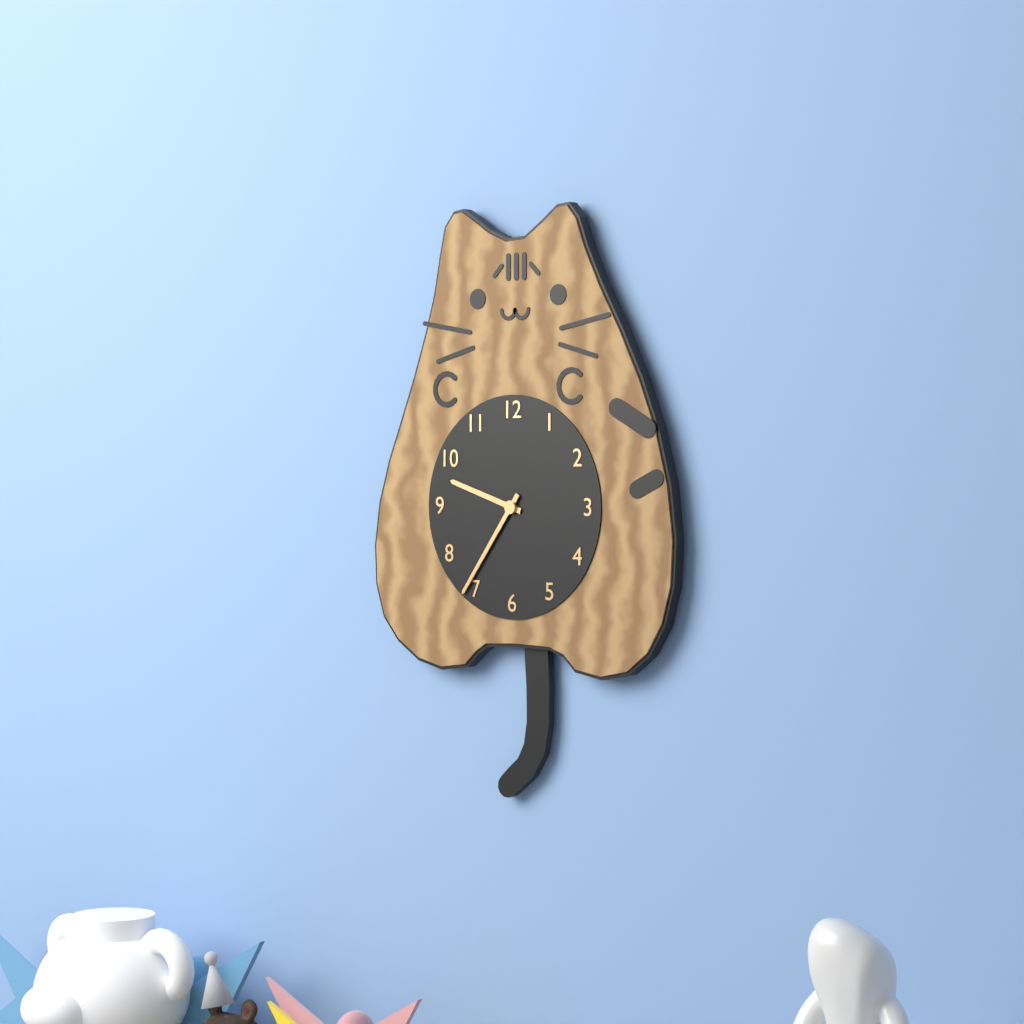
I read 9.36
